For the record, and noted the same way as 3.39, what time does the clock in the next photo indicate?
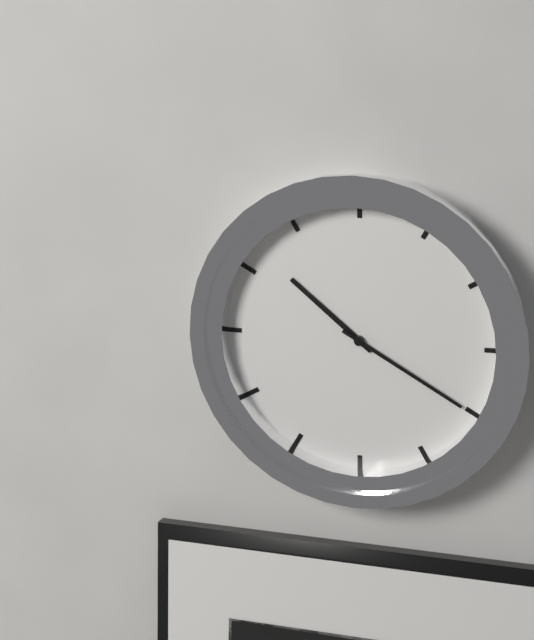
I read 10.20
